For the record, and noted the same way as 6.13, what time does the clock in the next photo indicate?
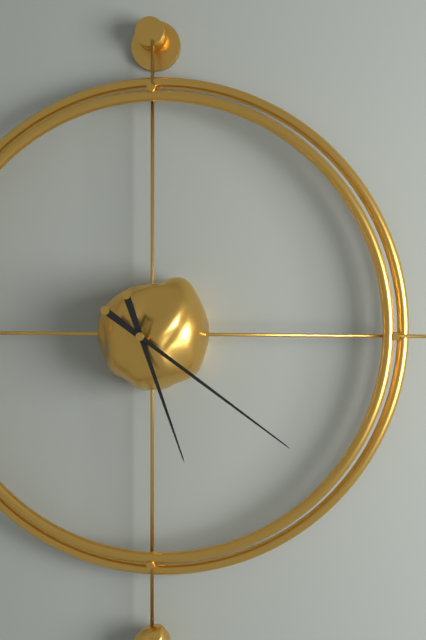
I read 5.21
